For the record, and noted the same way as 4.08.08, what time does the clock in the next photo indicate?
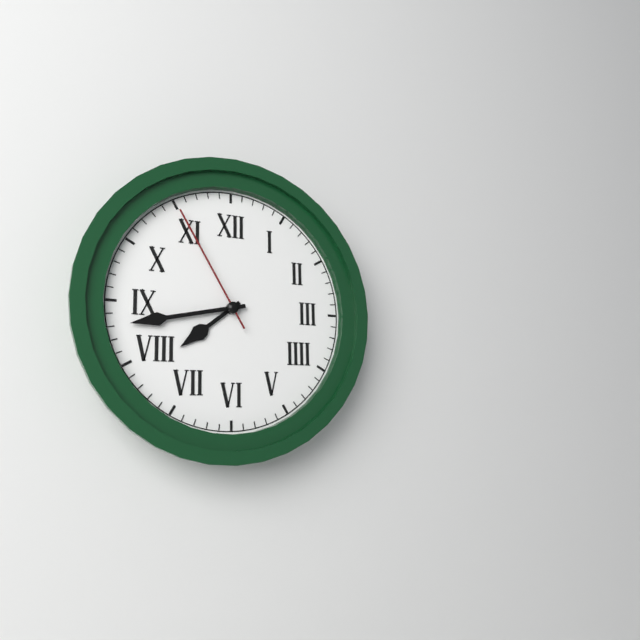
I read 7.43.55
